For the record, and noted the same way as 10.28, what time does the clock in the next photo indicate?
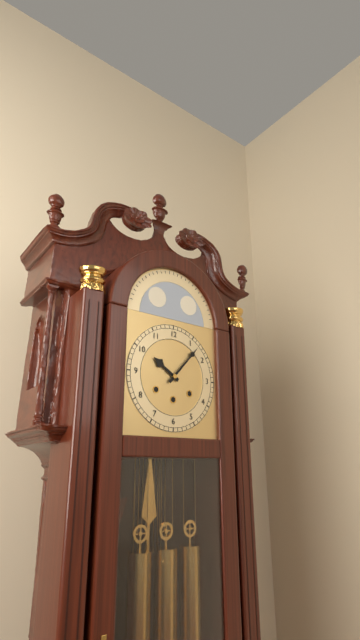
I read 10.07
